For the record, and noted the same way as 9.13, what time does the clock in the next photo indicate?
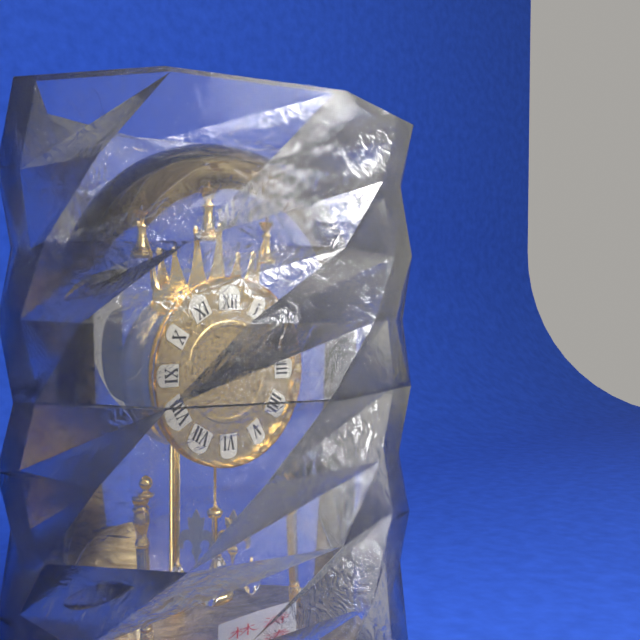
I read 8.14
